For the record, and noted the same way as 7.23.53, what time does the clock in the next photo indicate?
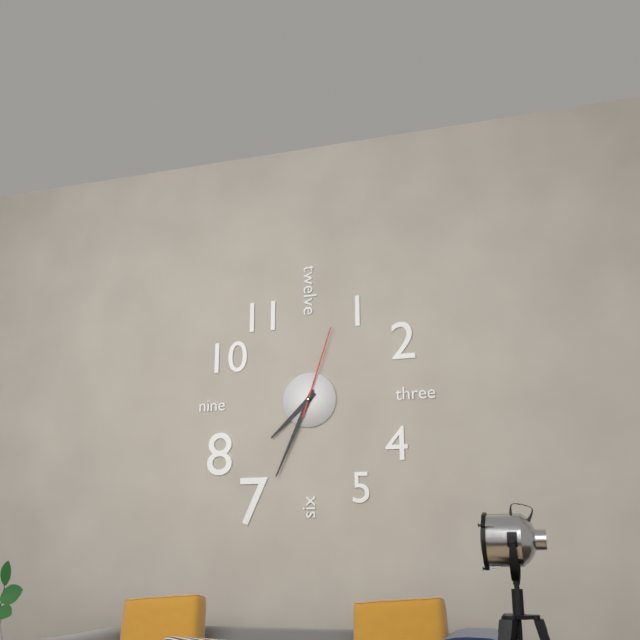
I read 7.34.03
